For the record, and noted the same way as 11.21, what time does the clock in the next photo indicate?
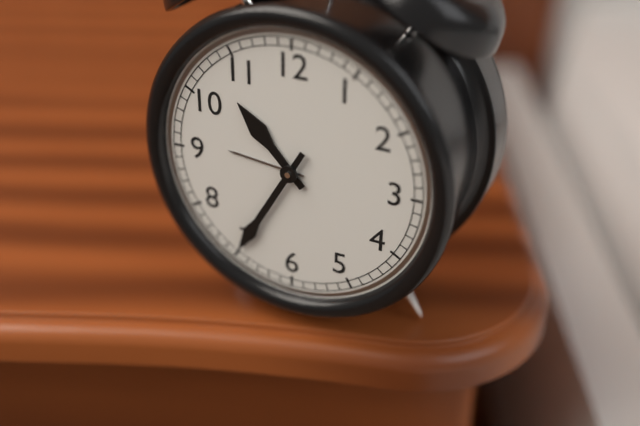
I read 10.35
